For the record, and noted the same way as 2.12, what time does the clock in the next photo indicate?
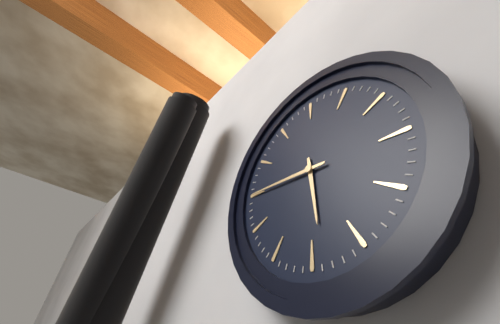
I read 5.45
